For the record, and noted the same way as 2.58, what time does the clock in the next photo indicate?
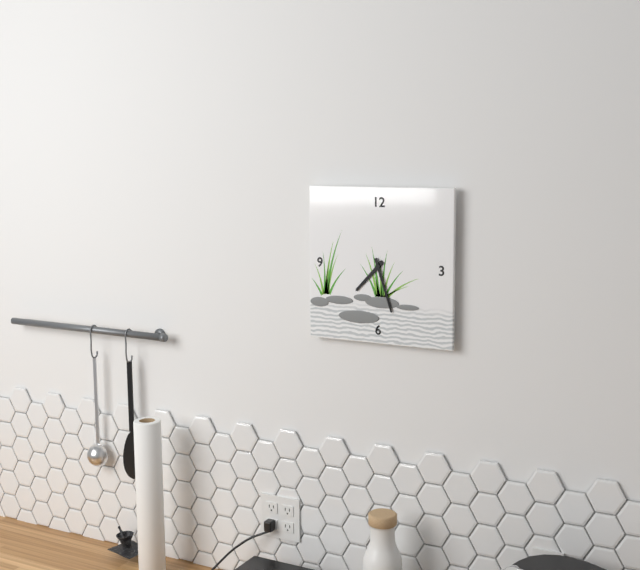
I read 7.27
